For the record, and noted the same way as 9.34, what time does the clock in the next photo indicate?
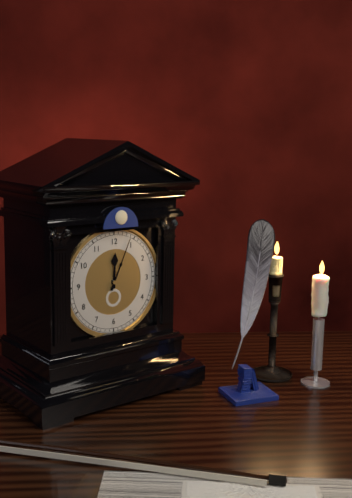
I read 12.04
